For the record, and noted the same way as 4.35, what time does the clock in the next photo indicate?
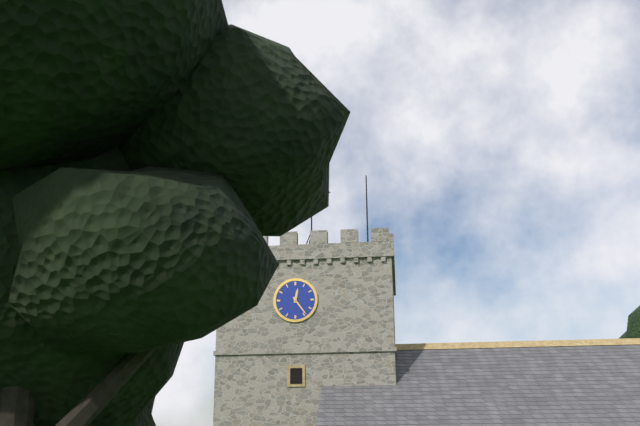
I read 12.24
